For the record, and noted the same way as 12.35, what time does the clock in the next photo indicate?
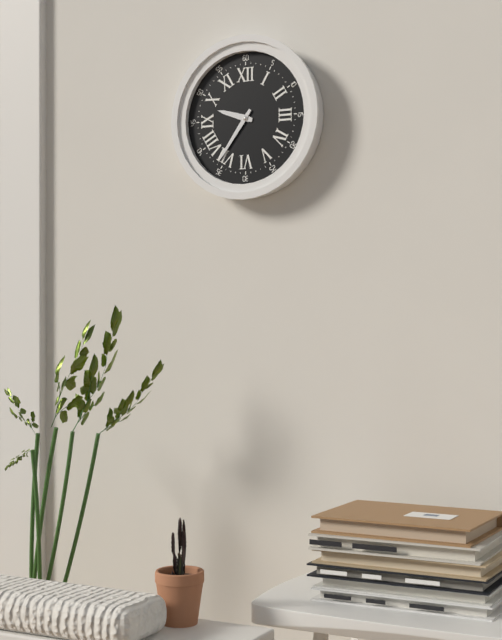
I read 9.36
